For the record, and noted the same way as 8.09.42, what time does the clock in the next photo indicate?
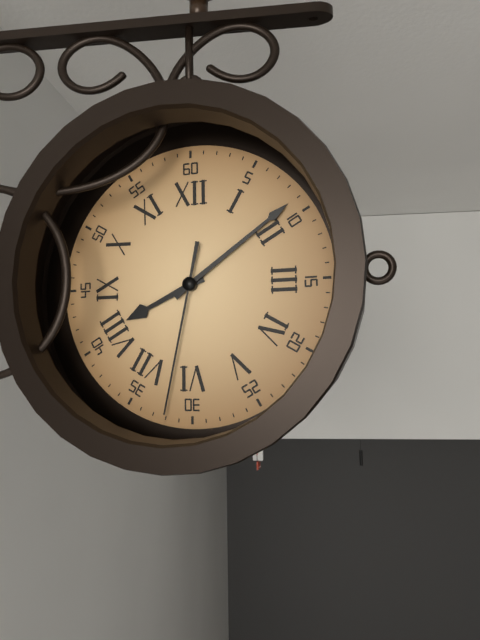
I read 8.09.32
